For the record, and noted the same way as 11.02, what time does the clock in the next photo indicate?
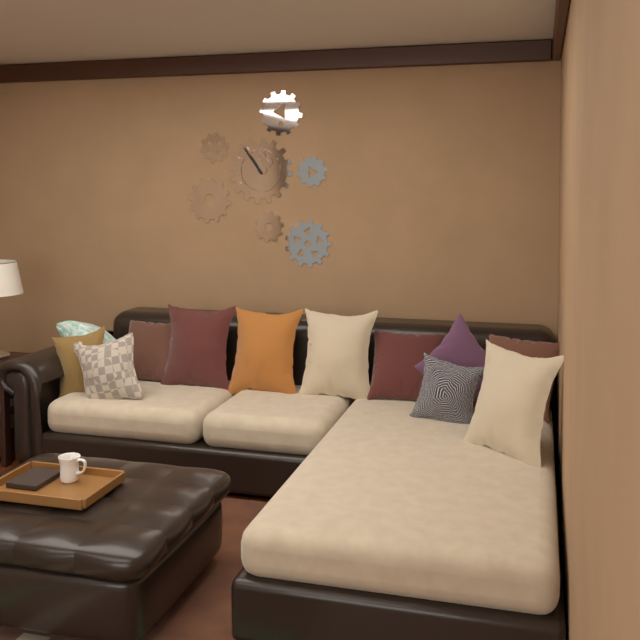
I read 10.54
